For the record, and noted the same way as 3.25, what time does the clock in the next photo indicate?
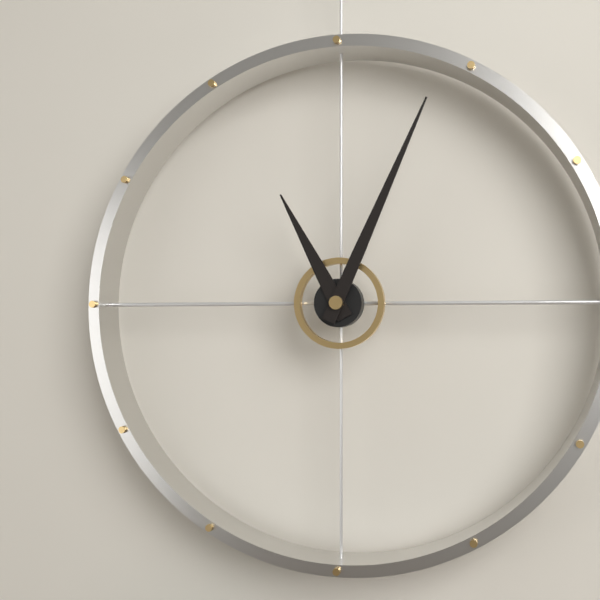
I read 11.04
